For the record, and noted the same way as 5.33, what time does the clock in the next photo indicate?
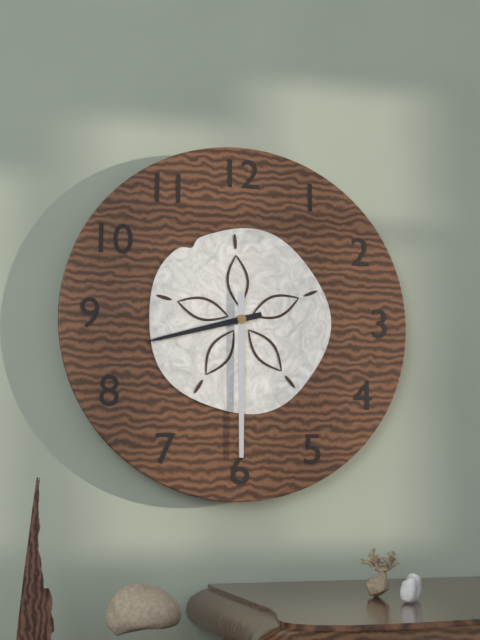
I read 8.30
